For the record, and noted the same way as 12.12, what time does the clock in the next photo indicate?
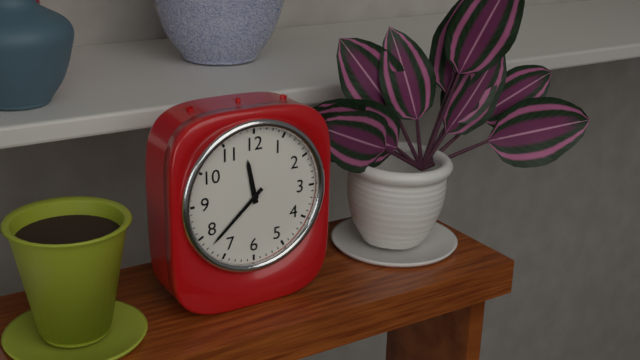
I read 11.38
